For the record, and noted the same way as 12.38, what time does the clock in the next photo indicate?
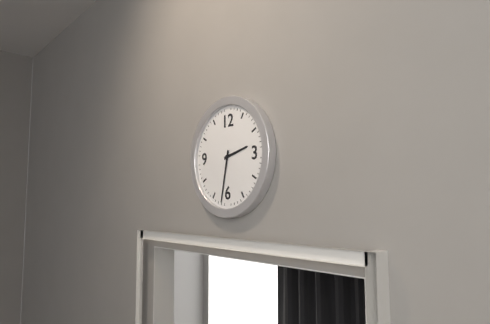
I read 2.32
